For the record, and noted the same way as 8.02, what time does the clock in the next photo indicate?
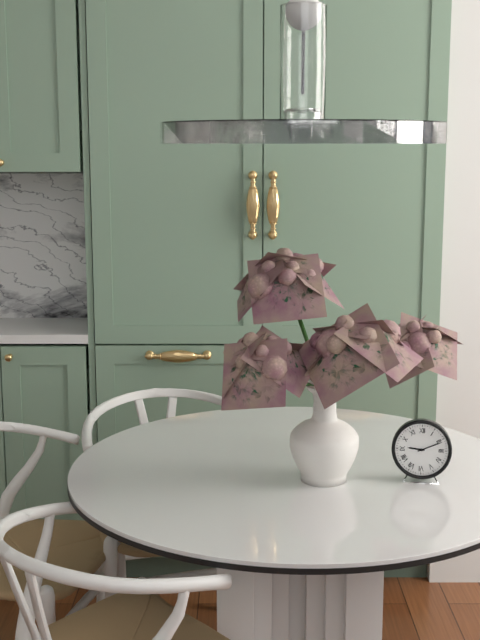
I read 9.11
